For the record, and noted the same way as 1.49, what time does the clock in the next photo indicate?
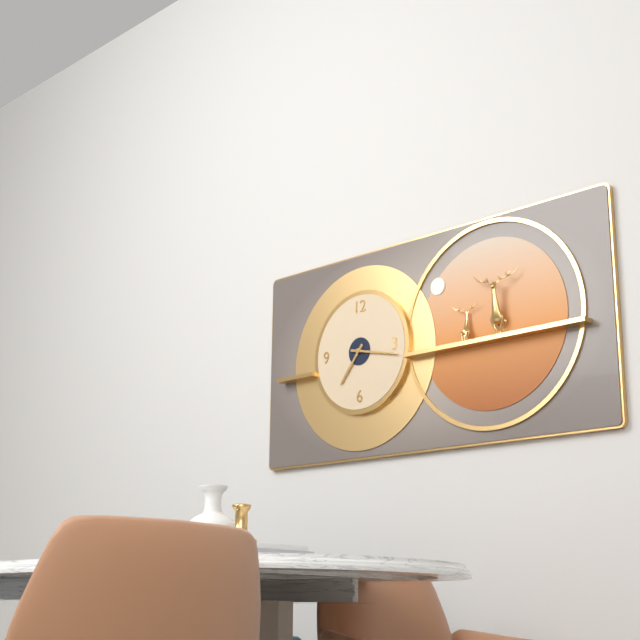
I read 7.17
